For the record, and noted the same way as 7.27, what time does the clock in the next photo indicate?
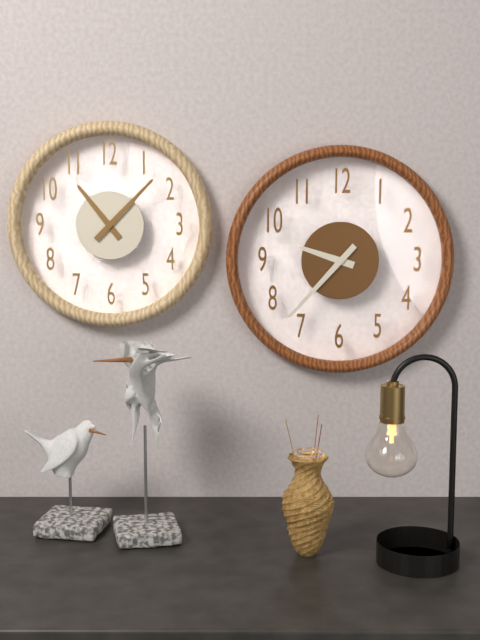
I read 9.37
